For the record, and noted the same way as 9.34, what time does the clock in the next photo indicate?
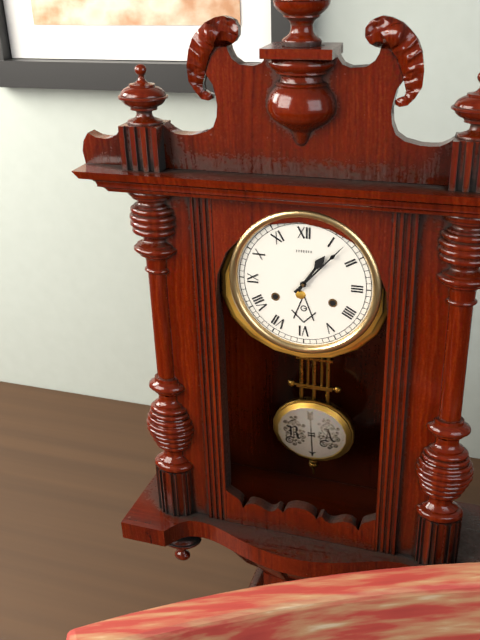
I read 1.07
